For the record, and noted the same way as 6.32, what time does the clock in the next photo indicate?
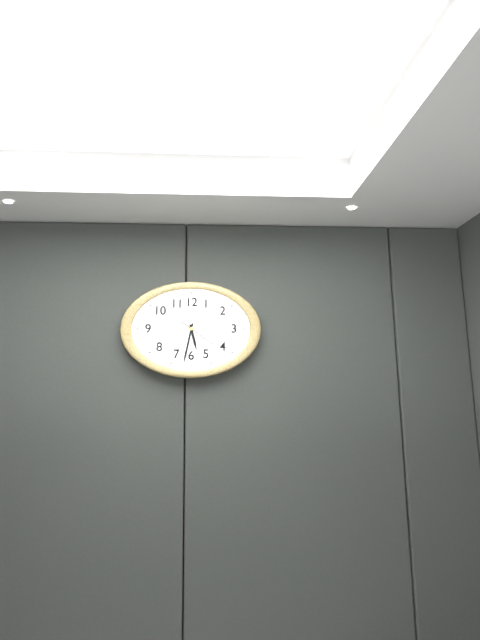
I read 5.32
